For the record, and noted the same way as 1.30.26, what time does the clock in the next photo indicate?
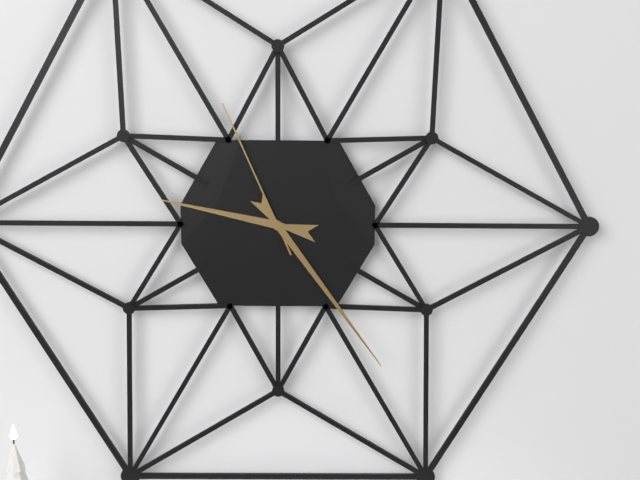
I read 9.24.56
